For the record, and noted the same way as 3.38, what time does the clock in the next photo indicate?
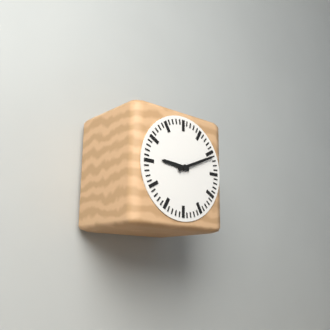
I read 9.11
